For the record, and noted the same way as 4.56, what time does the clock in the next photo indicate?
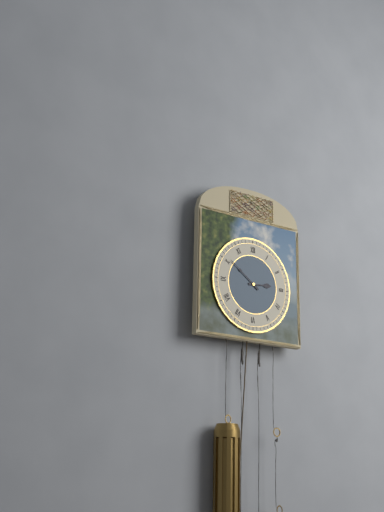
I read 2.51
